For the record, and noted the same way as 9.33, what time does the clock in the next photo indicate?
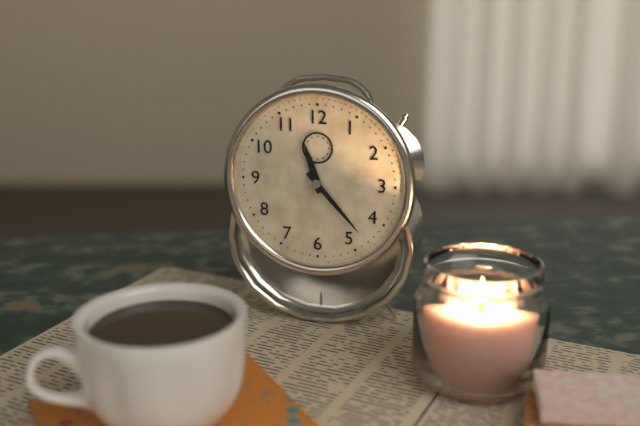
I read 11.23
